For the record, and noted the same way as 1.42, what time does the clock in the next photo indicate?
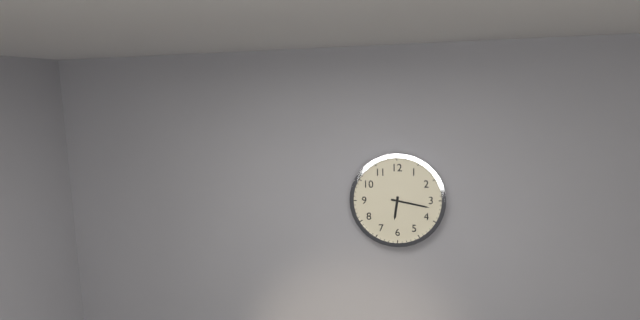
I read 6.17
